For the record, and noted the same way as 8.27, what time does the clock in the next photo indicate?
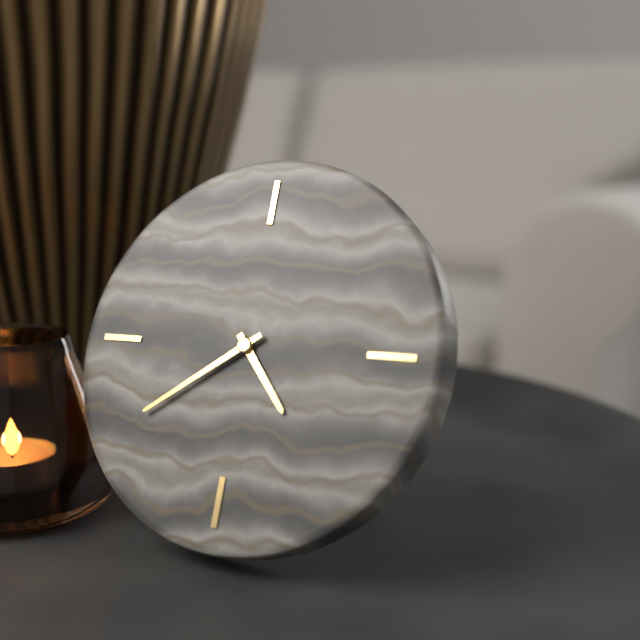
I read 4.39
